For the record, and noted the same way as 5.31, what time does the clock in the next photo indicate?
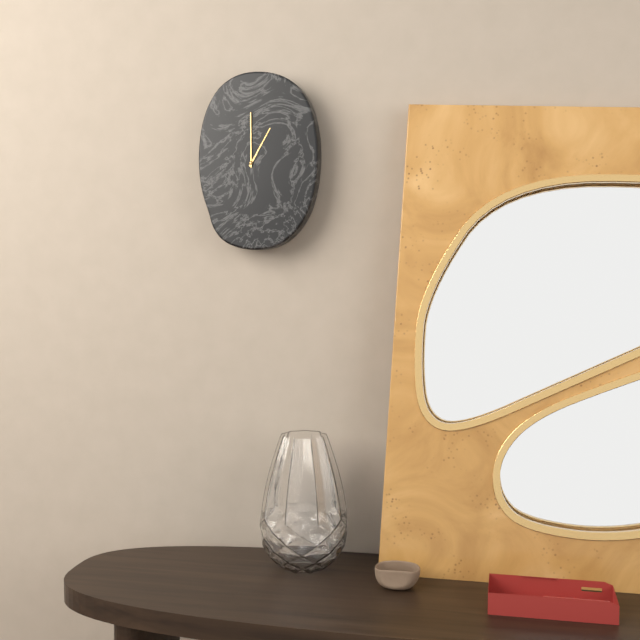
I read 1.00
